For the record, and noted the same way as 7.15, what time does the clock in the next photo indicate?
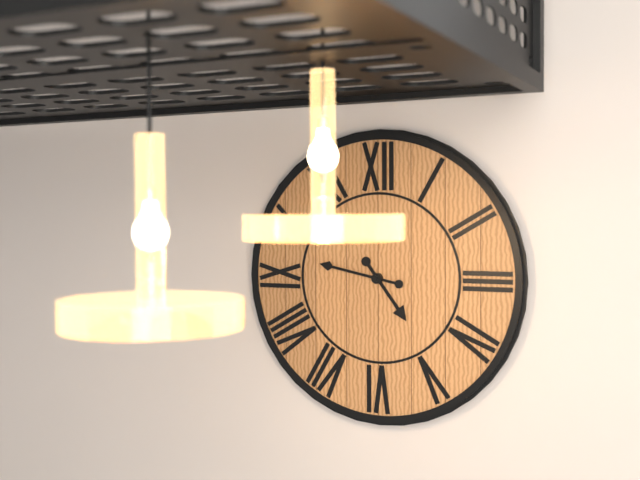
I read 4.47
